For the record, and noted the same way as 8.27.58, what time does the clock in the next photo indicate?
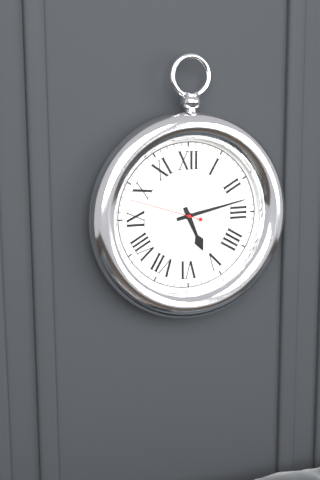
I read 5.13.48
